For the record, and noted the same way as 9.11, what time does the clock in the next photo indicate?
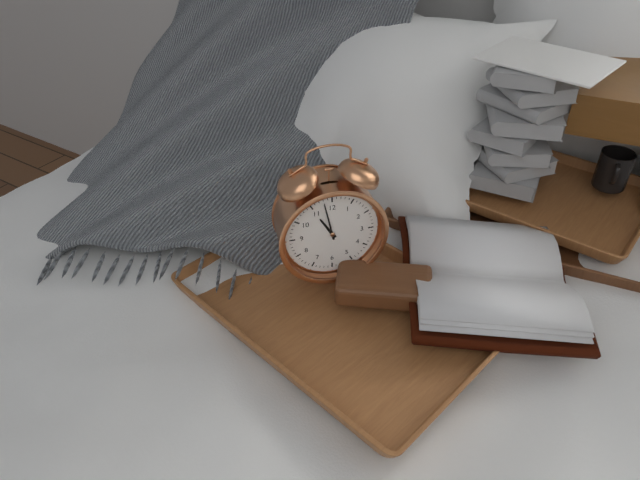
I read 10.58
